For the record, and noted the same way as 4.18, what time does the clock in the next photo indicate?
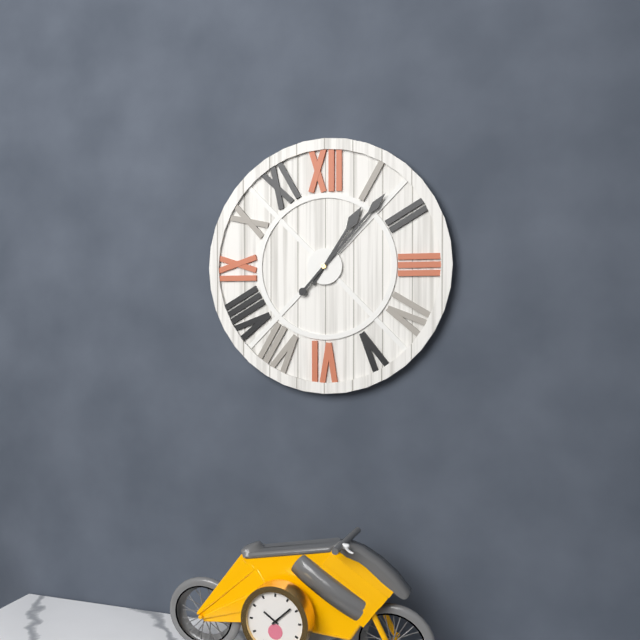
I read 1.07
